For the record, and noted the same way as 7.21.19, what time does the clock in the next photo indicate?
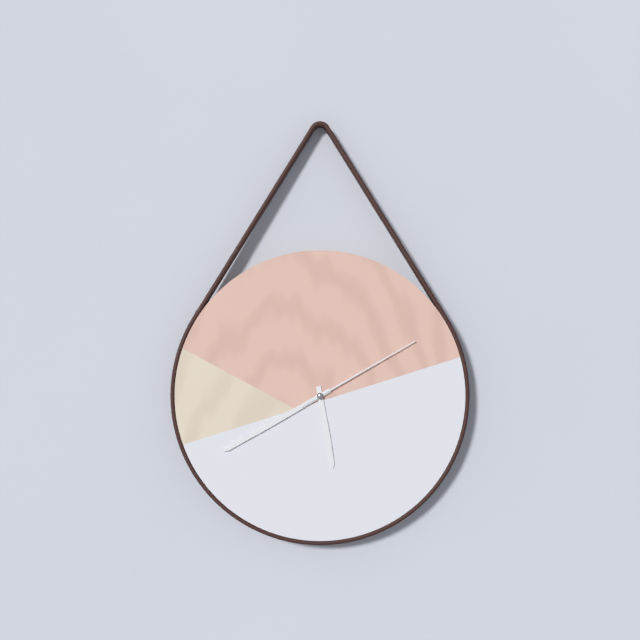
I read 5.40.10
